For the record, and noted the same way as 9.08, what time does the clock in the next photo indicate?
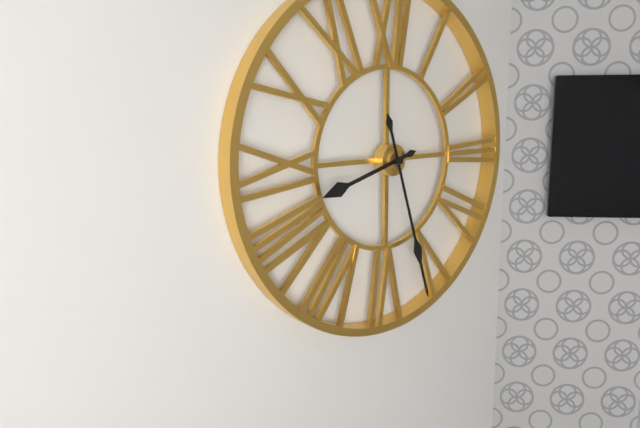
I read 8.27
